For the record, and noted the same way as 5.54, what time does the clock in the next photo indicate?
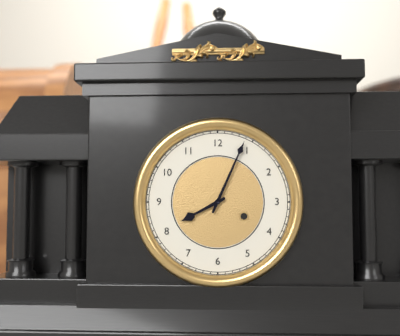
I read 8.04
